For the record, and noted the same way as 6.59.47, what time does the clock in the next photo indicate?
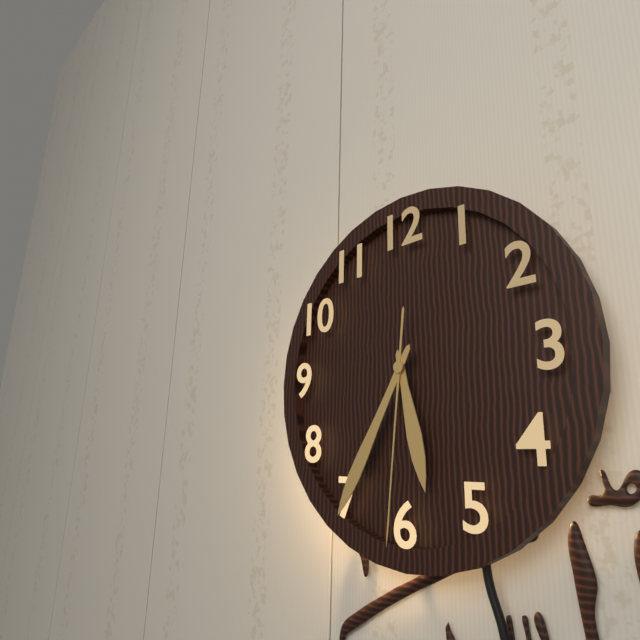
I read 5.35.31
